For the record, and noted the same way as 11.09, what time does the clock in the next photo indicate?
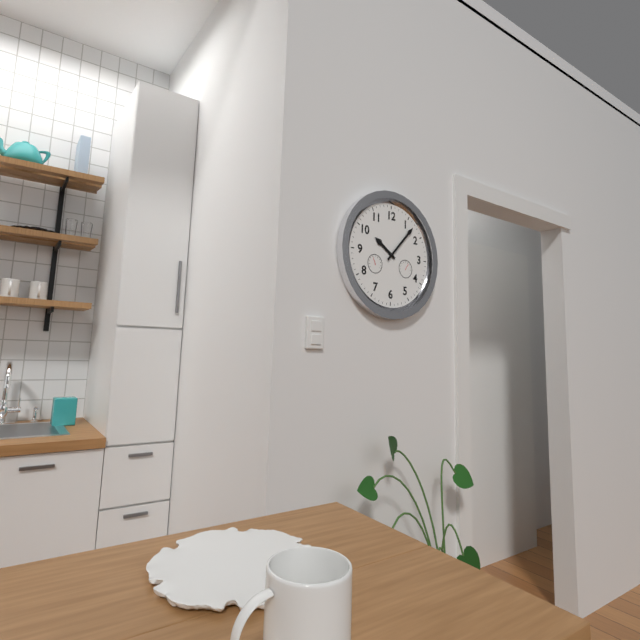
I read 10.07
